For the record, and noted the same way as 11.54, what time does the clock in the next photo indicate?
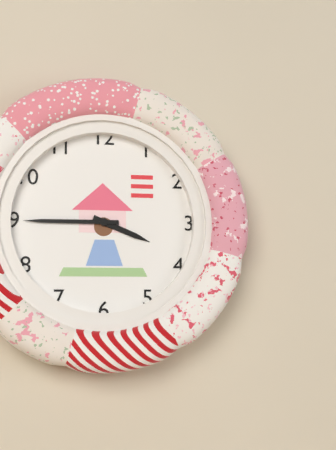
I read 3.45
